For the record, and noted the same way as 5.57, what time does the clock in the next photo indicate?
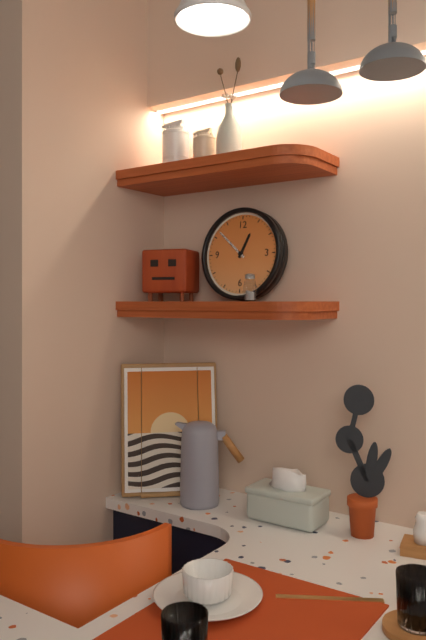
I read 12.52
